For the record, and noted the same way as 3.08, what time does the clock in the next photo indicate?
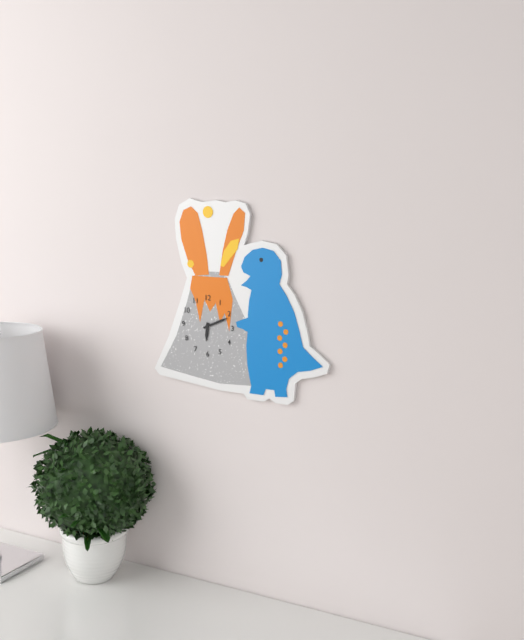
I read 6.11
